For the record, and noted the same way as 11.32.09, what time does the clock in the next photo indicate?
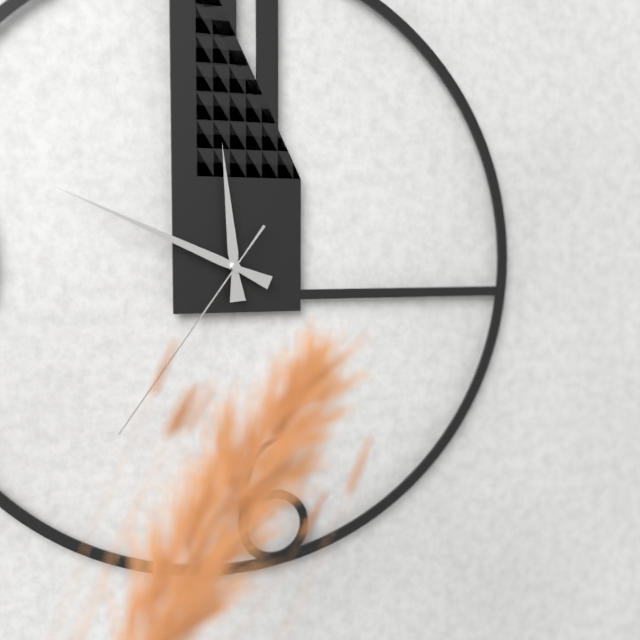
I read 11.49.36
